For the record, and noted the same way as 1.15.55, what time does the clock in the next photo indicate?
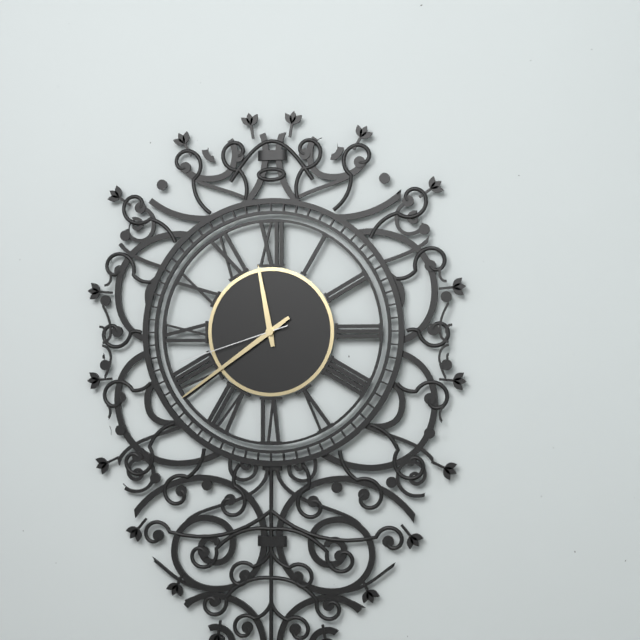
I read 11.39.42
